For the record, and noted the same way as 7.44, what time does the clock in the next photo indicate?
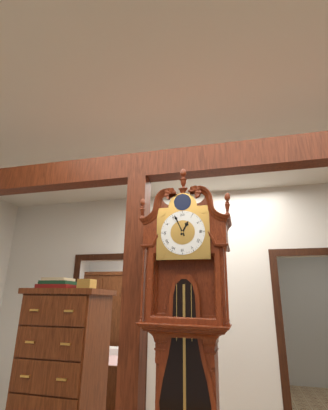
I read 12.56
